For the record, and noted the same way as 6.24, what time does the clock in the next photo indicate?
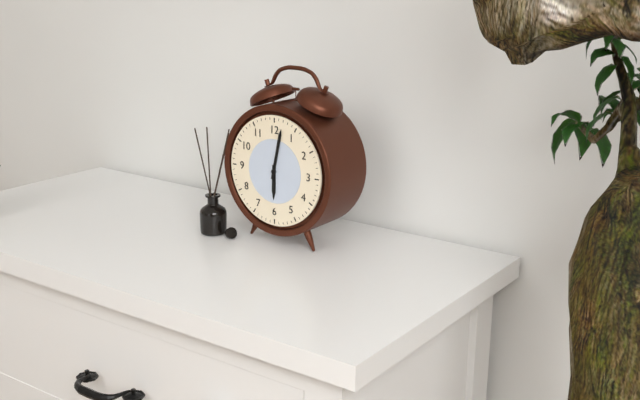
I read 6.02
